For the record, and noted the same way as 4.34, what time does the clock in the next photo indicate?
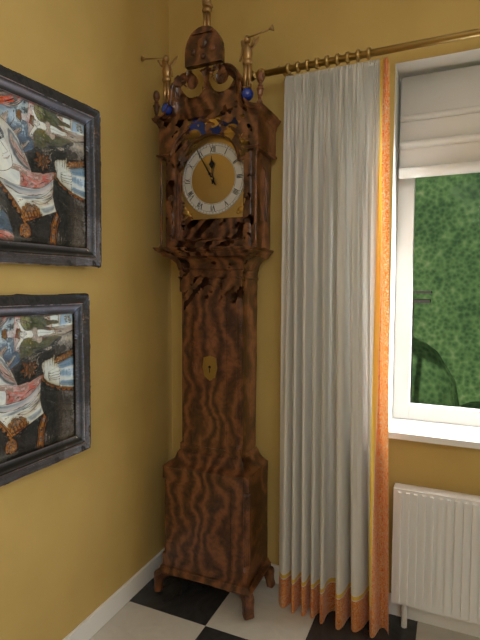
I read 11.55
